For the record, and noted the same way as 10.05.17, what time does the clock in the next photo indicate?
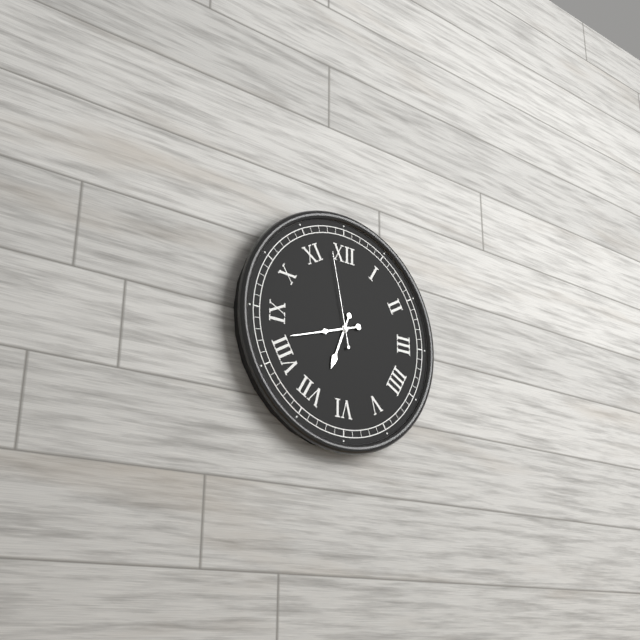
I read 6.42.58
